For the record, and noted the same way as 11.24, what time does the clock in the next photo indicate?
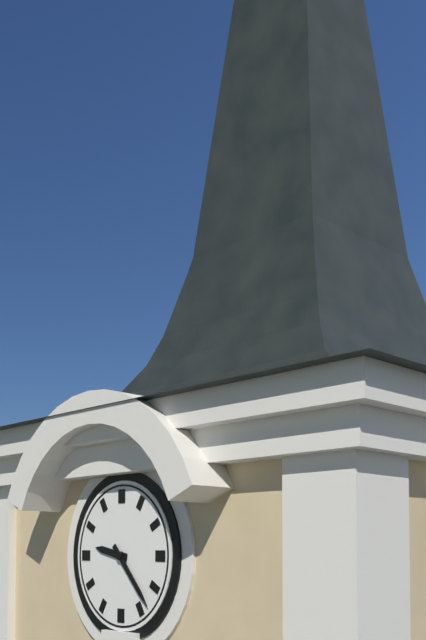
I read 9.23
